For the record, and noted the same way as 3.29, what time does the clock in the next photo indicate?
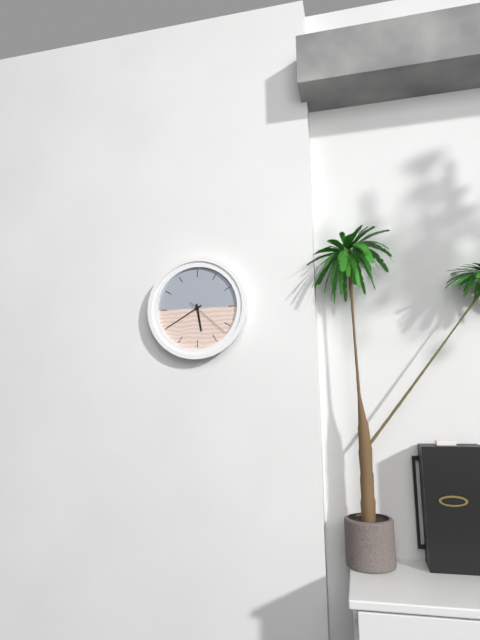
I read 5.40
